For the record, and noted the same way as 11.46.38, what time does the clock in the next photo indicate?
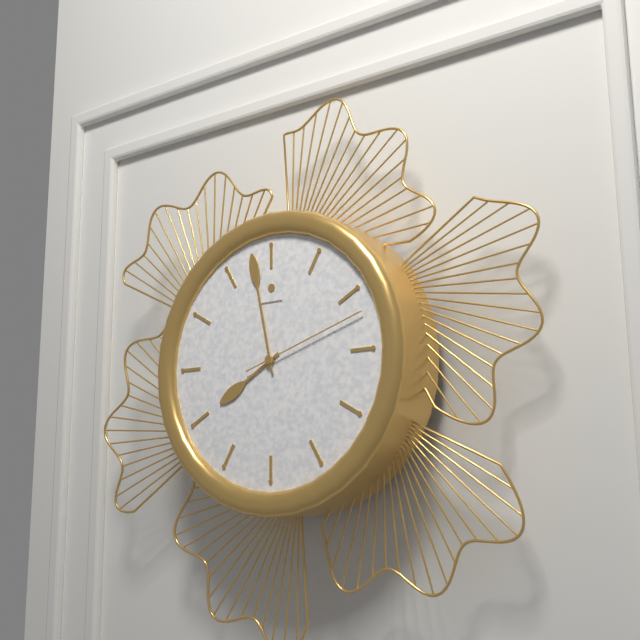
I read 7.58.12
